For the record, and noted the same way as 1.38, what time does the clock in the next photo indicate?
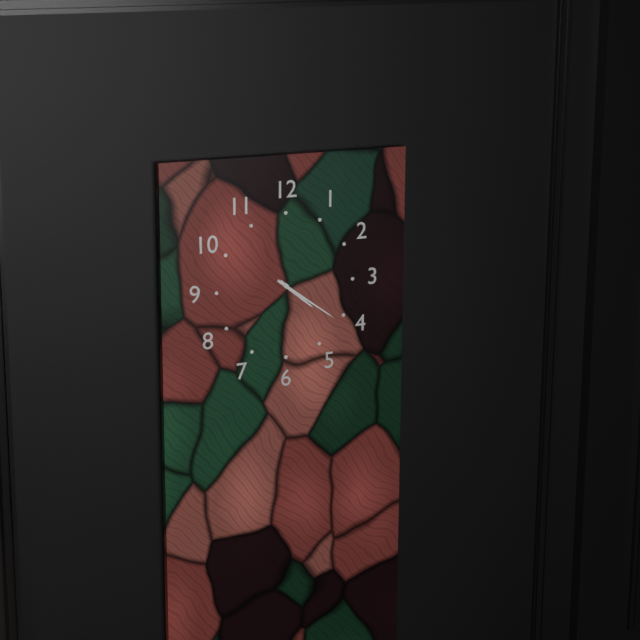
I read 4.21
